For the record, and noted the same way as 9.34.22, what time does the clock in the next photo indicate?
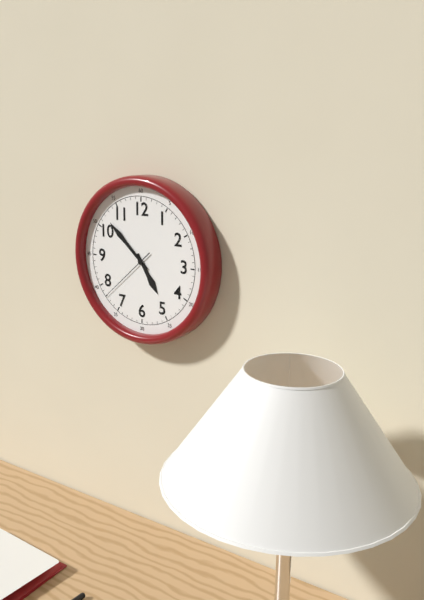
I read 4.52.38
